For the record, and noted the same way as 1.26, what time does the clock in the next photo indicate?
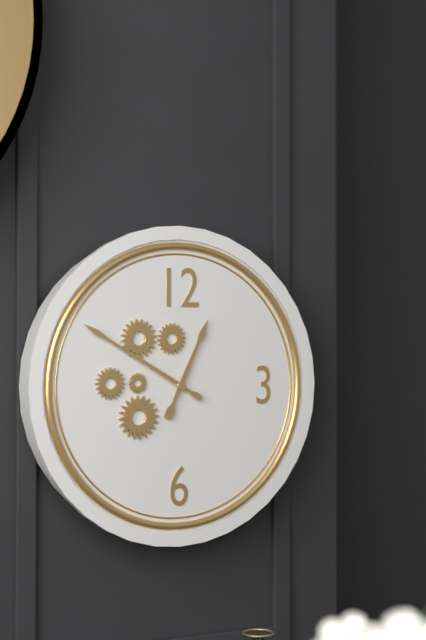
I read 12.50
